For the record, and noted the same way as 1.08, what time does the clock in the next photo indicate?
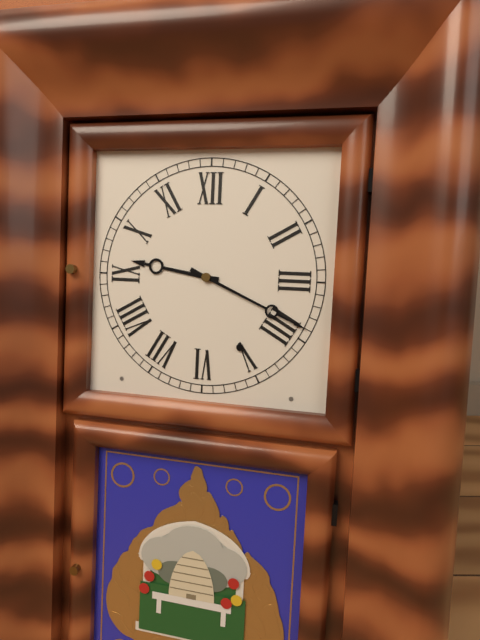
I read 9.19
